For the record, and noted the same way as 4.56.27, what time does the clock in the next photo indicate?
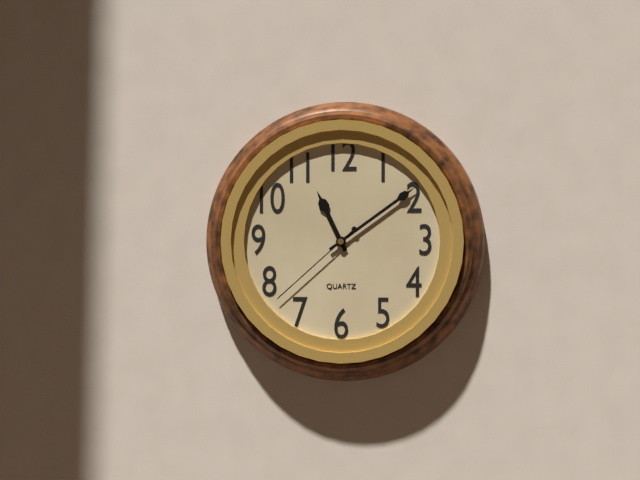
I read 11.09.38
